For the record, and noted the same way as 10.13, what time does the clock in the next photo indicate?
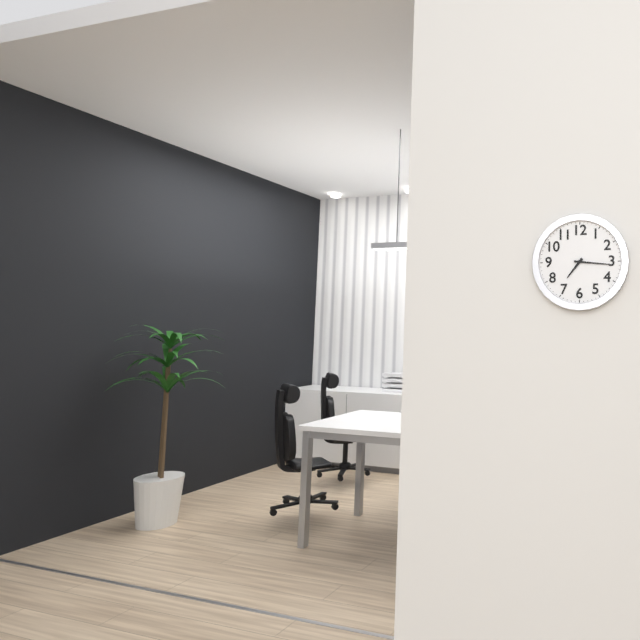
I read 7.16
